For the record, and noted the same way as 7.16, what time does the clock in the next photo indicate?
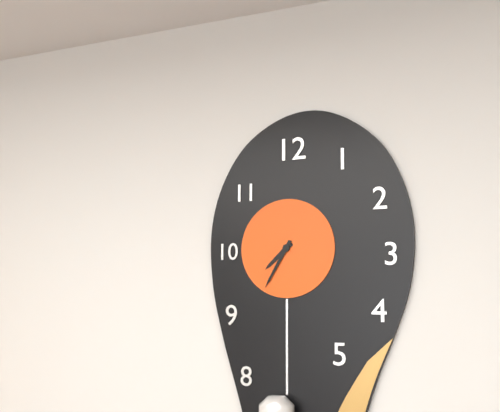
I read 7.35
